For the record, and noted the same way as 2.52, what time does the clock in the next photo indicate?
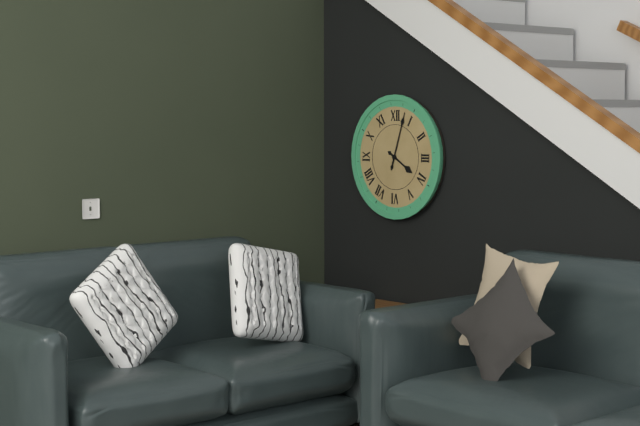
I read 4.03
